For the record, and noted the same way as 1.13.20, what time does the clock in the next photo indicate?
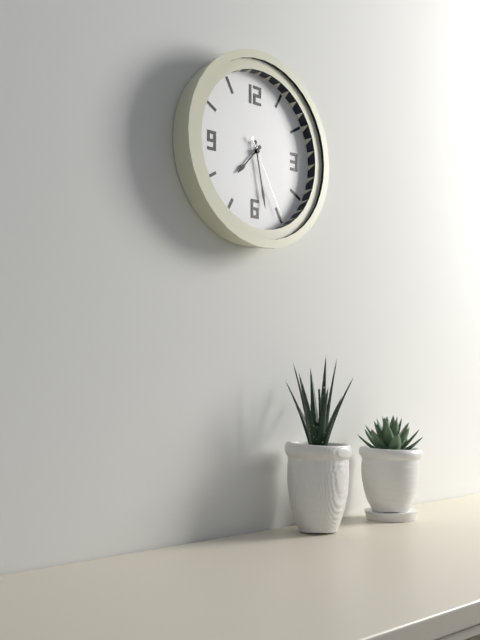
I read 7.28.25
